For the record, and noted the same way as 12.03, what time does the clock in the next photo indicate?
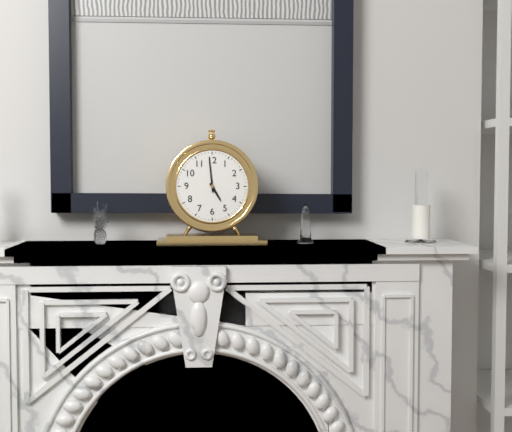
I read 4.59
